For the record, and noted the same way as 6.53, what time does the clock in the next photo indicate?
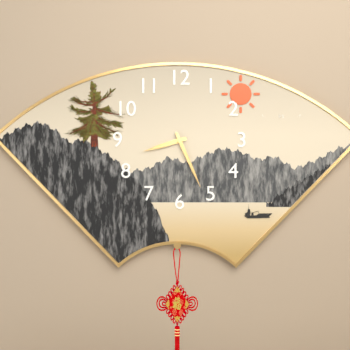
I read 8.26
